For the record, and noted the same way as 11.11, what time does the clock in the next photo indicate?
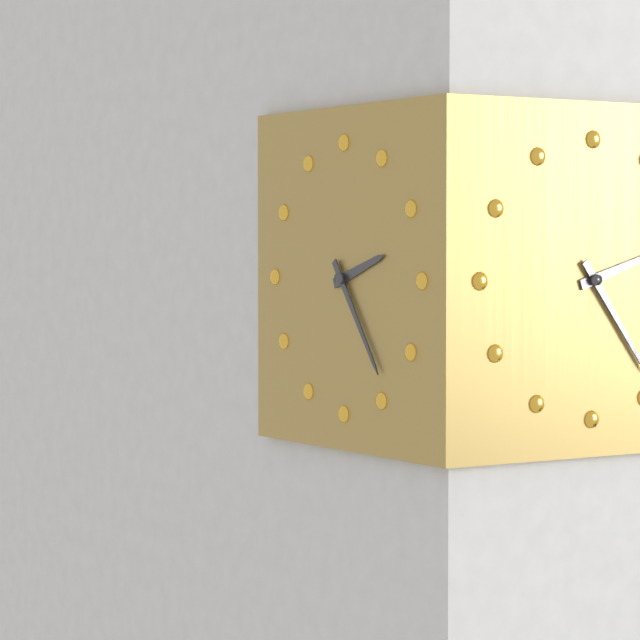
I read 2.24
